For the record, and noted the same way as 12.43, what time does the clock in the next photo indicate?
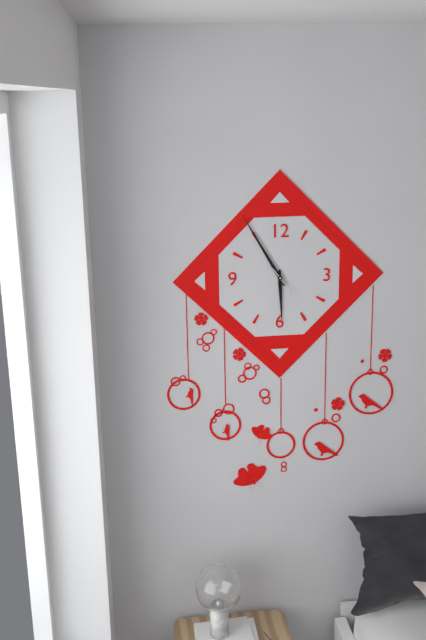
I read 5.55
